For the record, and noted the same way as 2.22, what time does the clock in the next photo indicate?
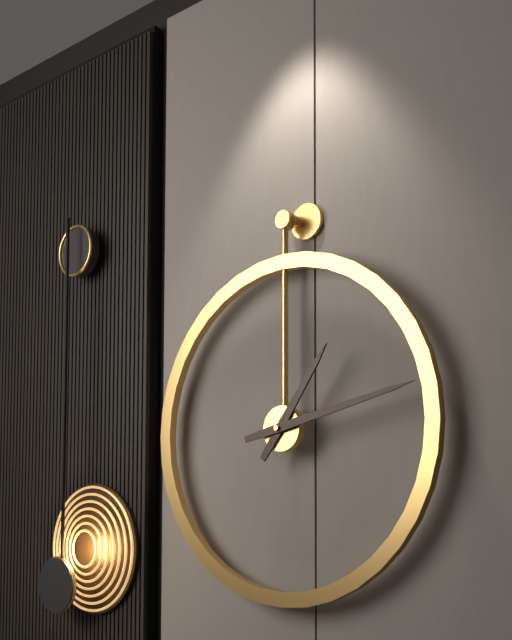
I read 1.13
